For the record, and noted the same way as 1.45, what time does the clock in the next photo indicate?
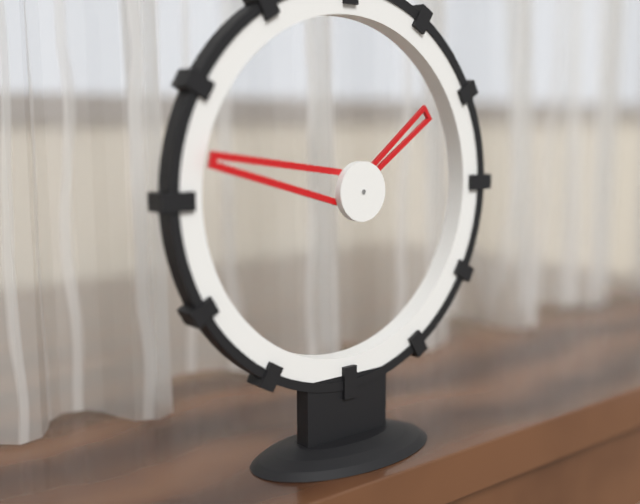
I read 1.47
